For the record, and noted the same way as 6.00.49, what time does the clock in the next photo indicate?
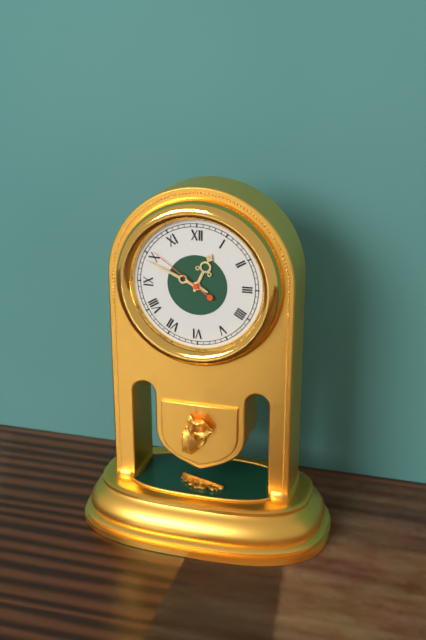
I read 12.49.51
